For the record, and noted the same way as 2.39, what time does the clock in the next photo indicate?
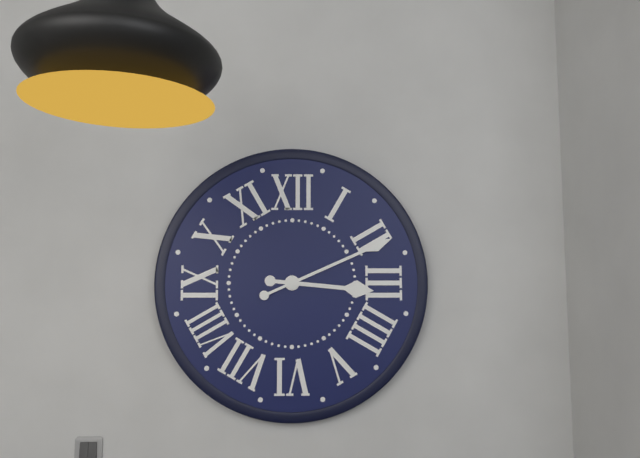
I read 3.11
